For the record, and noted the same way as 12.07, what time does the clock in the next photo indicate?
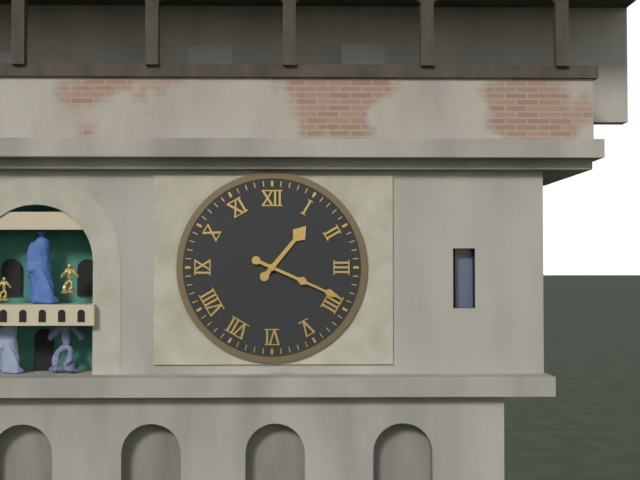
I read 1.19
